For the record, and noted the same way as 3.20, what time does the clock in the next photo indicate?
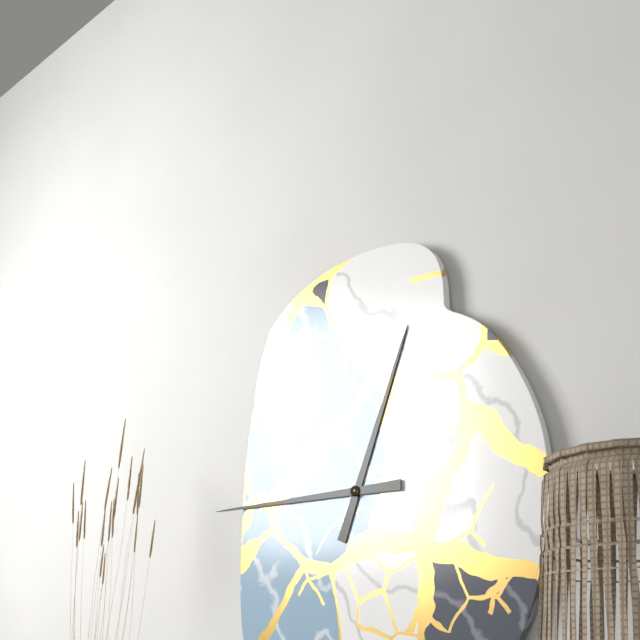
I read 12.45
